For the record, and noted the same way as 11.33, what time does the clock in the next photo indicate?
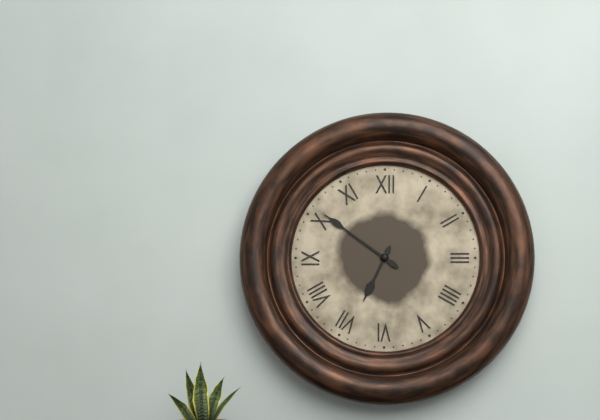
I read 6.51
